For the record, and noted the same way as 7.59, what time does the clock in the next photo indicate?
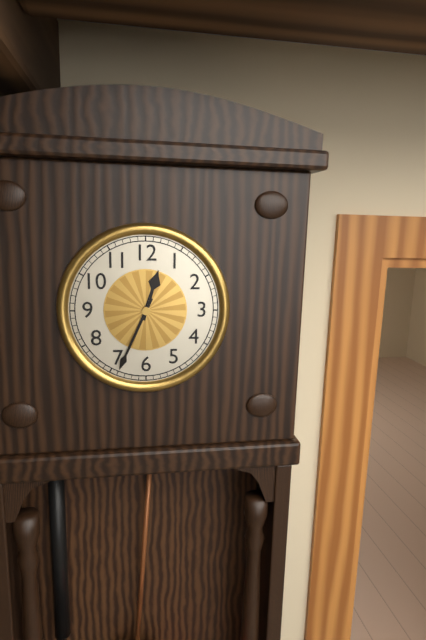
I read 12.34
